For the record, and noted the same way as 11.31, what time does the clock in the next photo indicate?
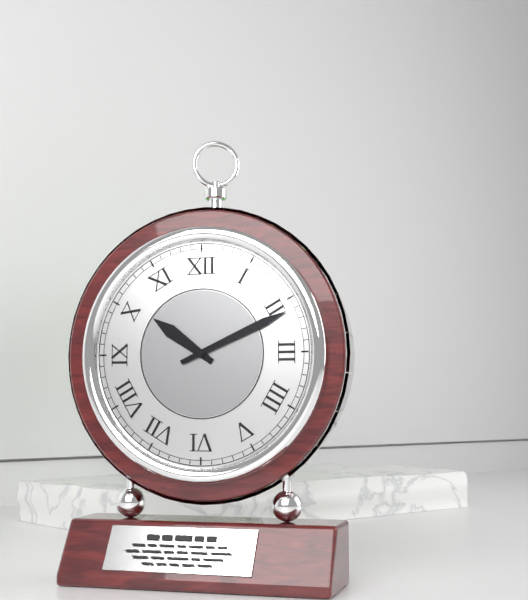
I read 10.11
